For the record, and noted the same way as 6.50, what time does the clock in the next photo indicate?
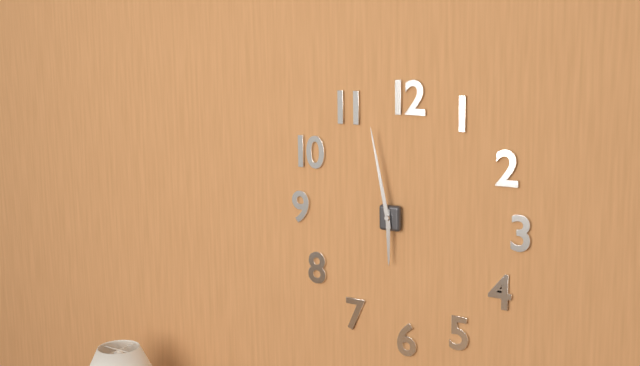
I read 5.58
